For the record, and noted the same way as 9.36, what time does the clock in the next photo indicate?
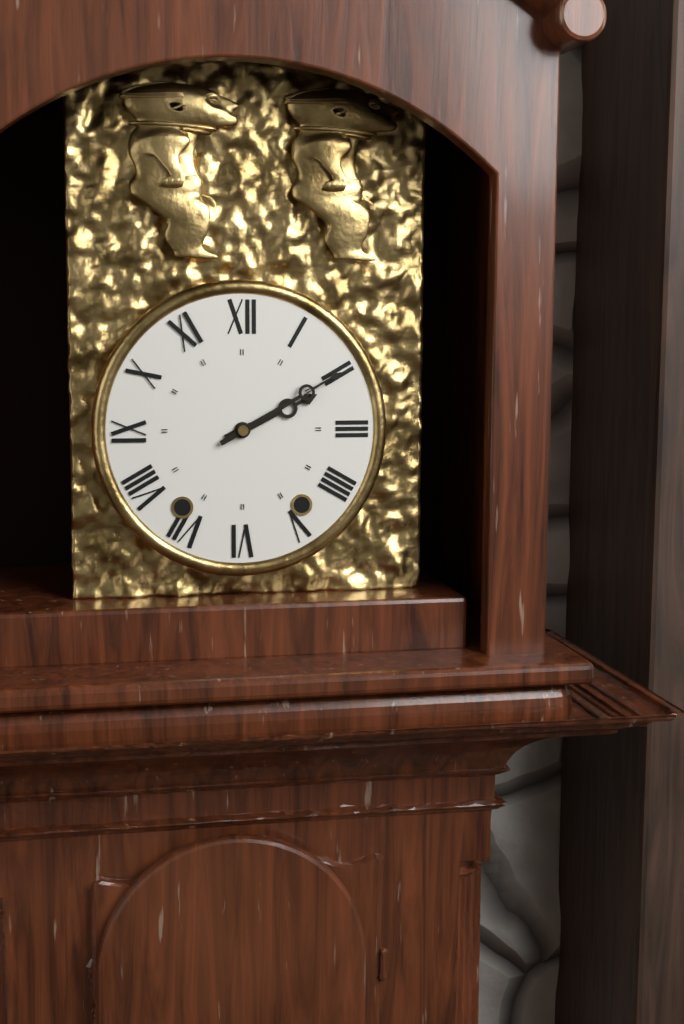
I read 2.10
